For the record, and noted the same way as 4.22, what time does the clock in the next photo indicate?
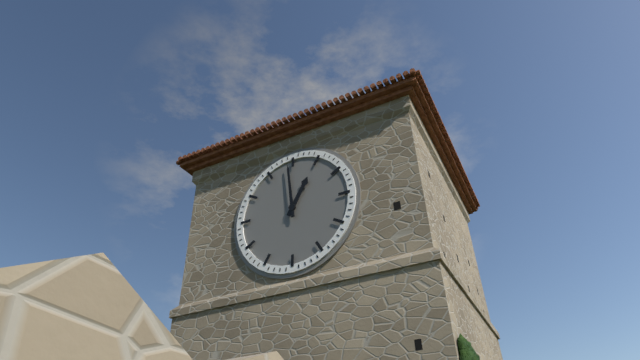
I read 12.59
